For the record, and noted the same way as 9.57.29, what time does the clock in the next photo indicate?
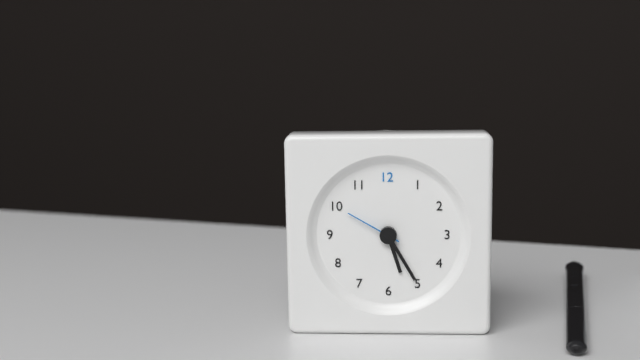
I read 5.25.50
